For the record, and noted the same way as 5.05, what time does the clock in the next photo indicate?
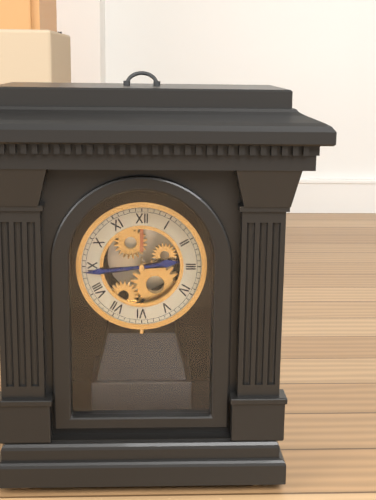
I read 2.44
